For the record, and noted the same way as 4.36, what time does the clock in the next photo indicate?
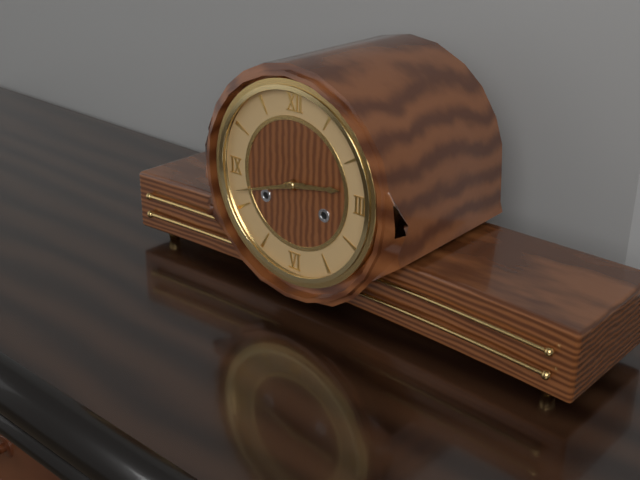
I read 2.42
